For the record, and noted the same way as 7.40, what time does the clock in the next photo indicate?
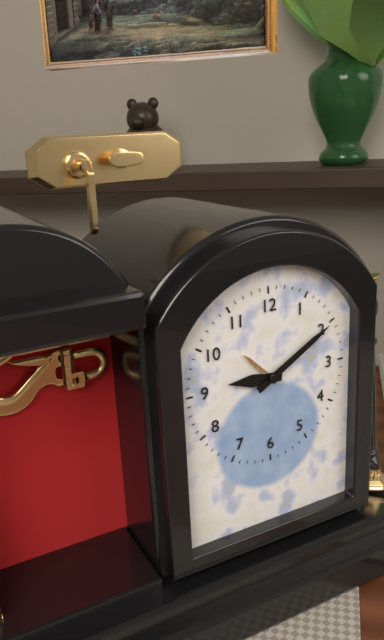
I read 9.10
